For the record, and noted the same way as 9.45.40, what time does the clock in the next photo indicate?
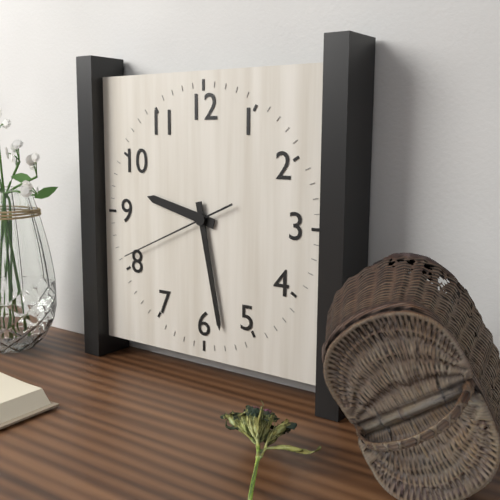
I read 9.28.41
